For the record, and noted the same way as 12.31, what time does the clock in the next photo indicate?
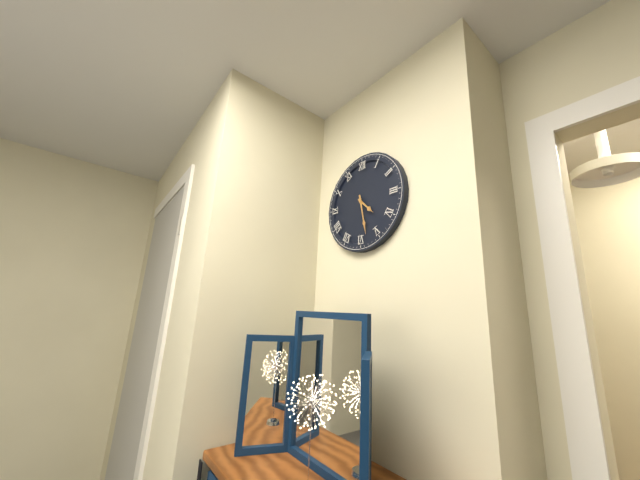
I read 4.28
